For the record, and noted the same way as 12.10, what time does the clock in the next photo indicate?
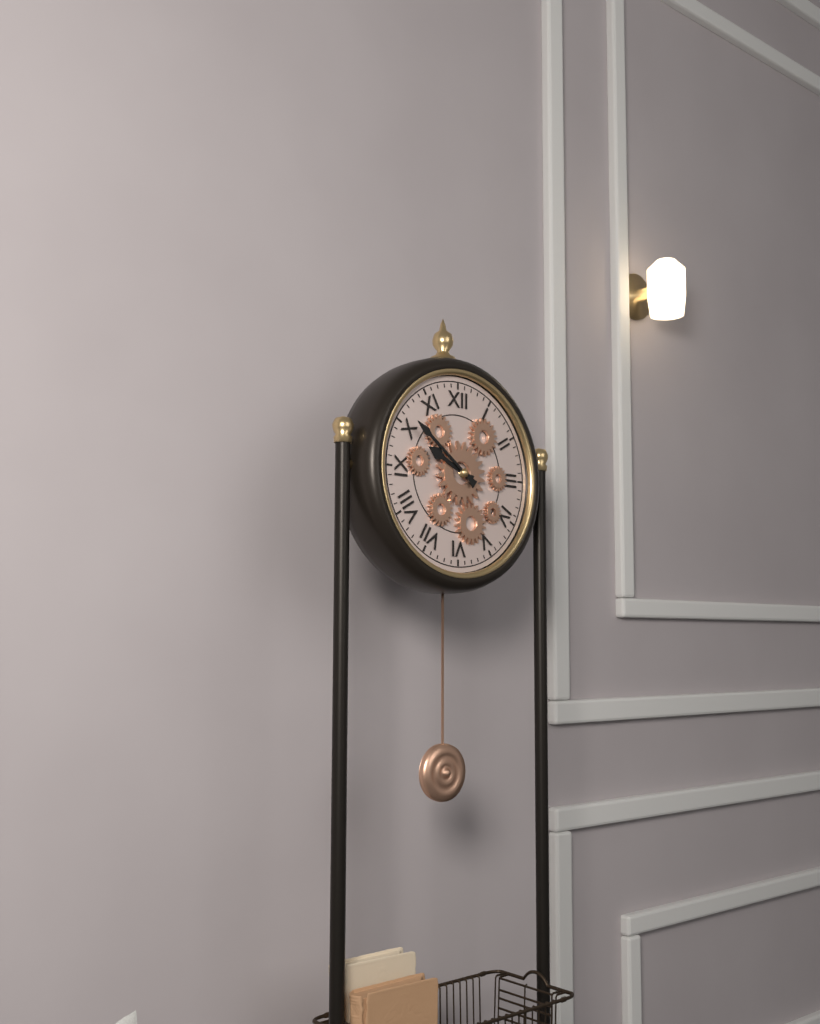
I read 9.51
